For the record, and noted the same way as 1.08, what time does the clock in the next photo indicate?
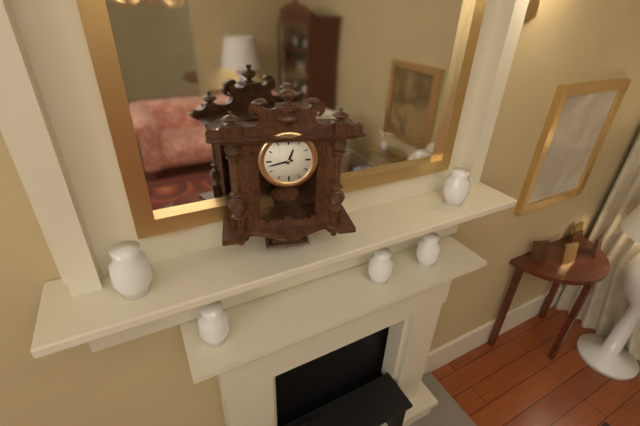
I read 12.43
